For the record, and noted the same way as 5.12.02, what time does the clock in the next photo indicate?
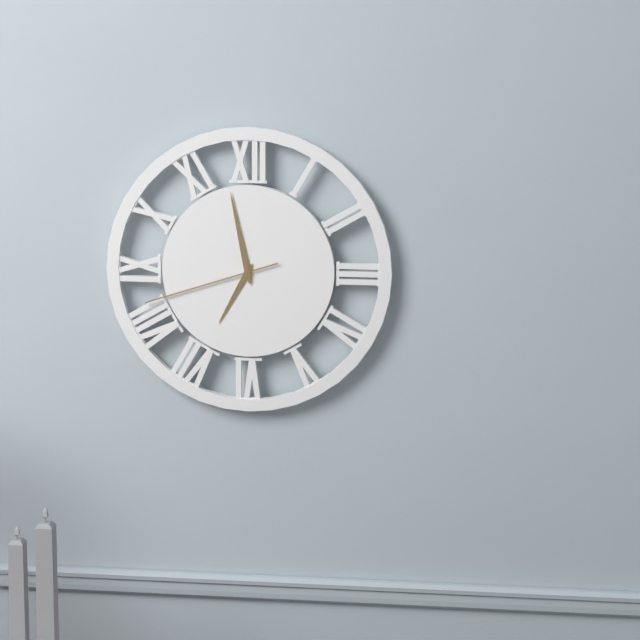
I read 6.58.42
